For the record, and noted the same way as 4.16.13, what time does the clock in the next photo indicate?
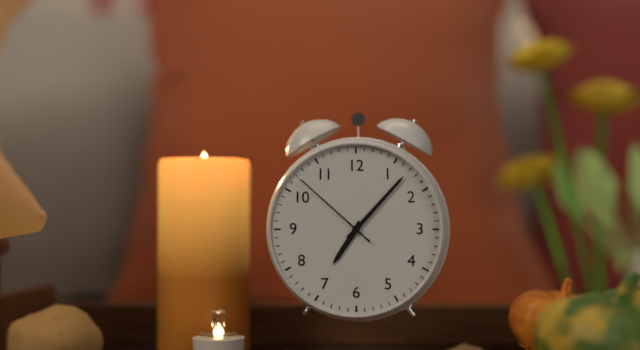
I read 7.07.52
